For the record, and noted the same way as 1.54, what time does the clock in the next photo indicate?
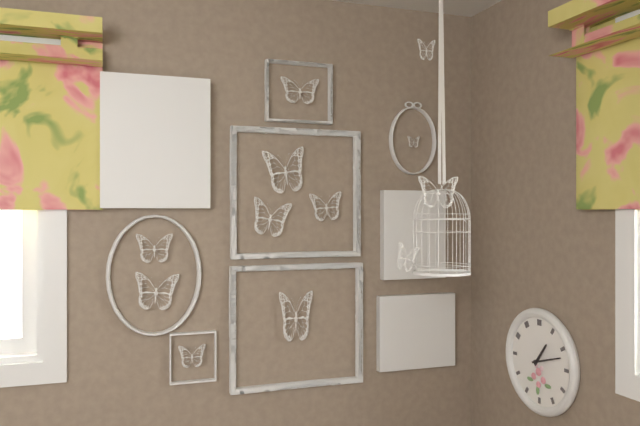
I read 1.12
